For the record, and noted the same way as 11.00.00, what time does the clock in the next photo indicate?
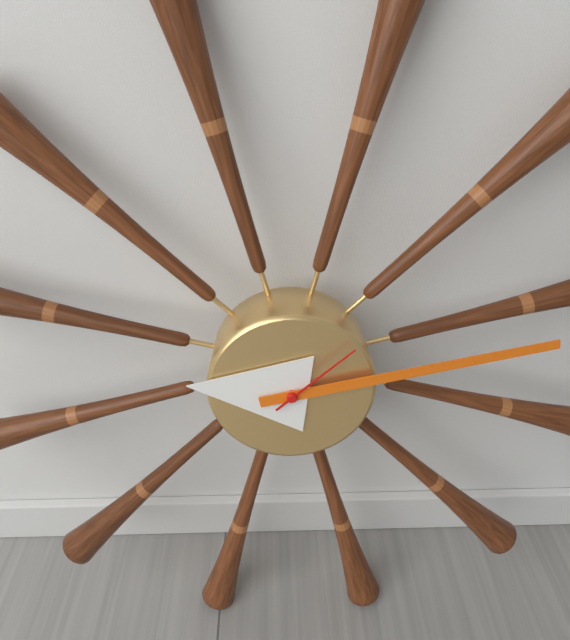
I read 9.13.08
